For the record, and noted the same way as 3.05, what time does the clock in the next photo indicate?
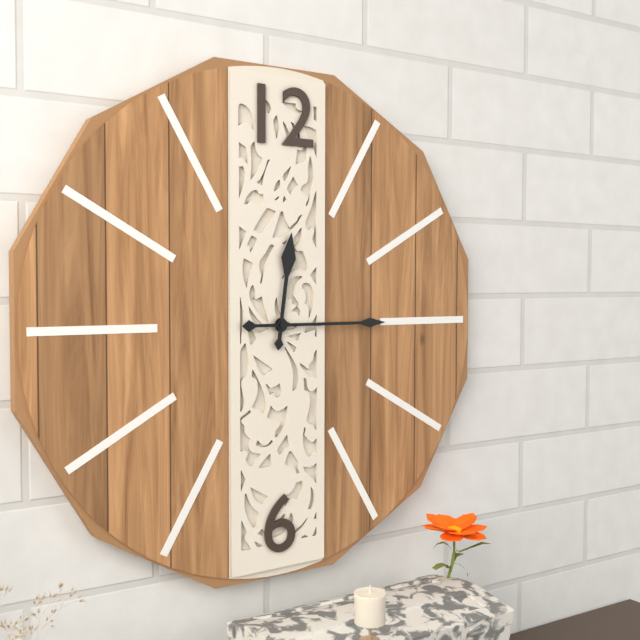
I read 12.15
